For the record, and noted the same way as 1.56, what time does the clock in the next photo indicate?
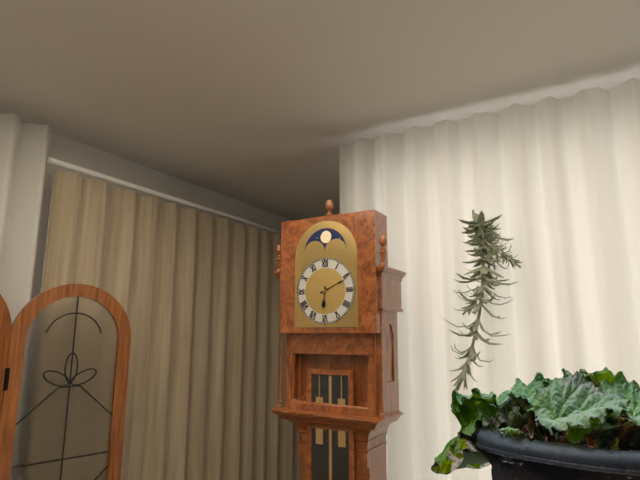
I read 6.11
